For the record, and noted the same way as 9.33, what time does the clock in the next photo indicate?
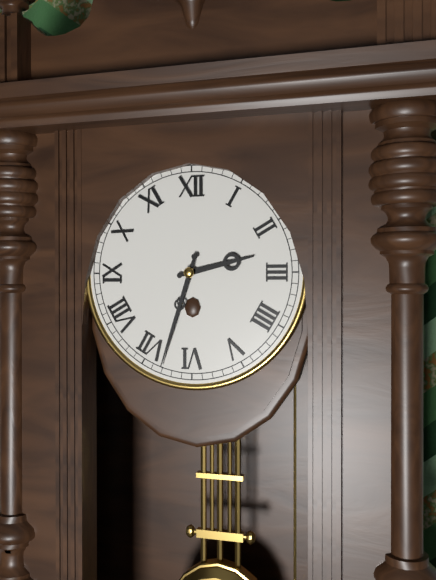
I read 2.33
